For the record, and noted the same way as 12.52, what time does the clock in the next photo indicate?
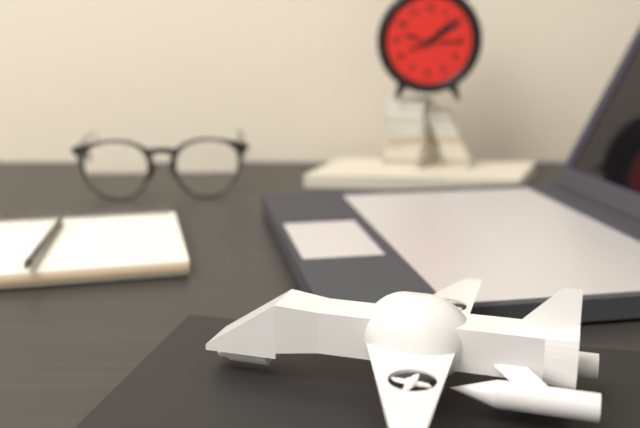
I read 8.08
